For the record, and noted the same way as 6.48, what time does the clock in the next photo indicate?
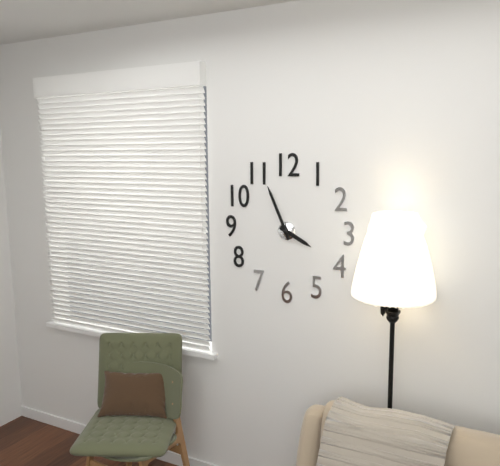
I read 3.56
